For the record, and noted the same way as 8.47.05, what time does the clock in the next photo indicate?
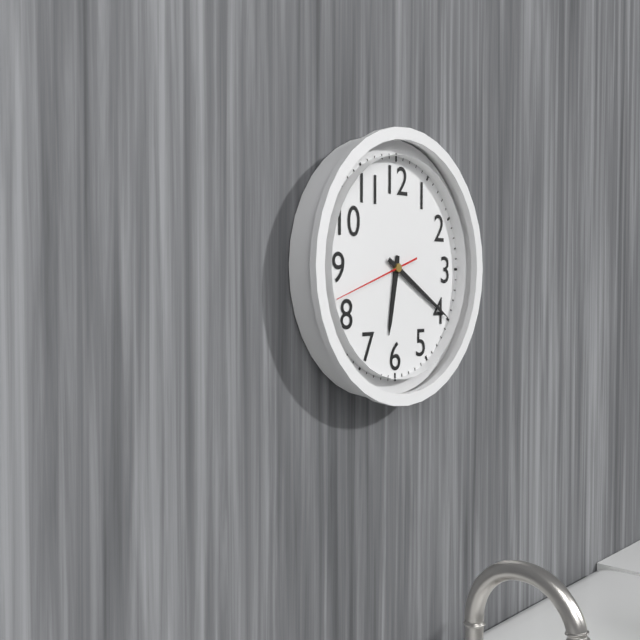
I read 6.20.42
